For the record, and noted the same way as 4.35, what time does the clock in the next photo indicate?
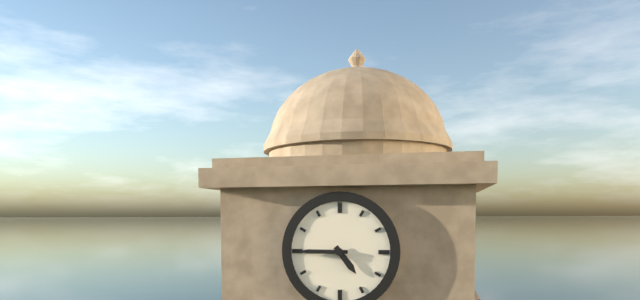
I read 4.45
